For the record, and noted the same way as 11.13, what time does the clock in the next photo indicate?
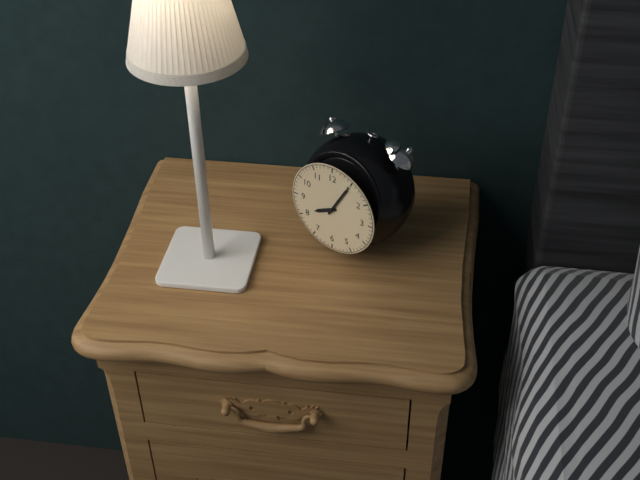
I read 8.05
